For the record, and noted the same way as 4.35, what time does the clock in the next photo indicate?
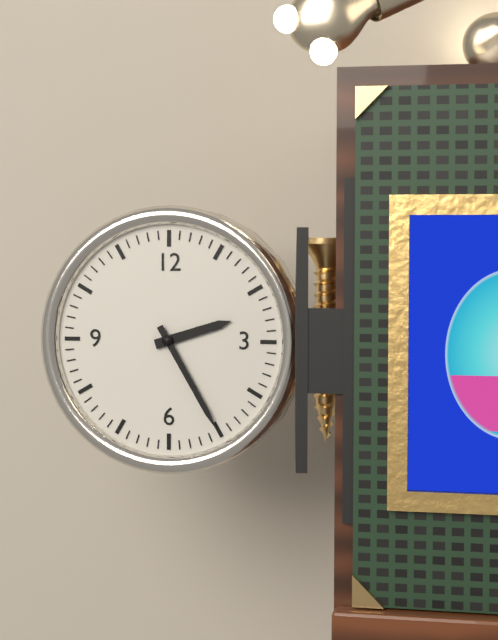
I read 2.25
